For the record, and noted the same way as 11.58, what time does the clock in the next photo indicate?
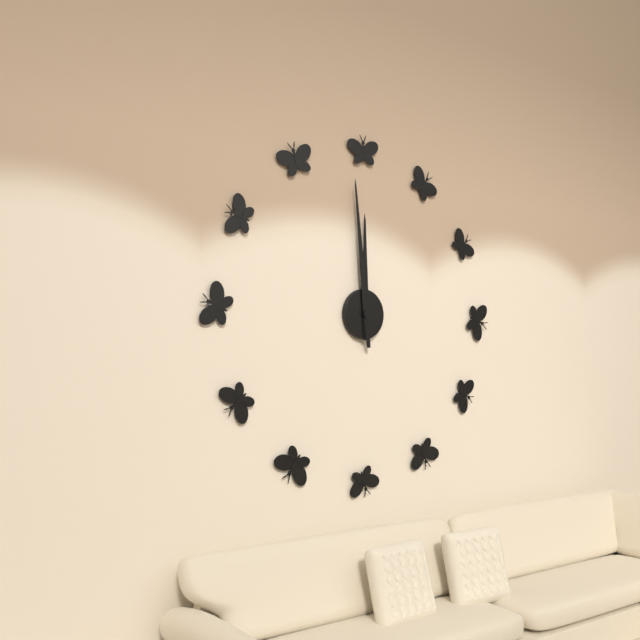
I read 11.59
